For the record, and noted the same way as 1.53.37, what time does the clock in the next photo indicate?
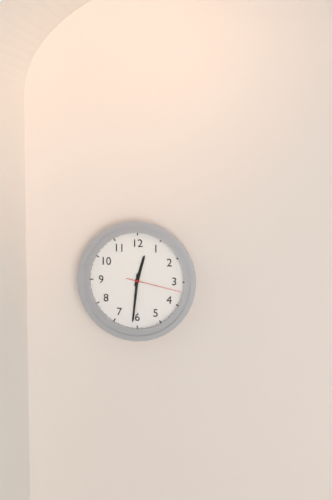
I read 12.31.17
